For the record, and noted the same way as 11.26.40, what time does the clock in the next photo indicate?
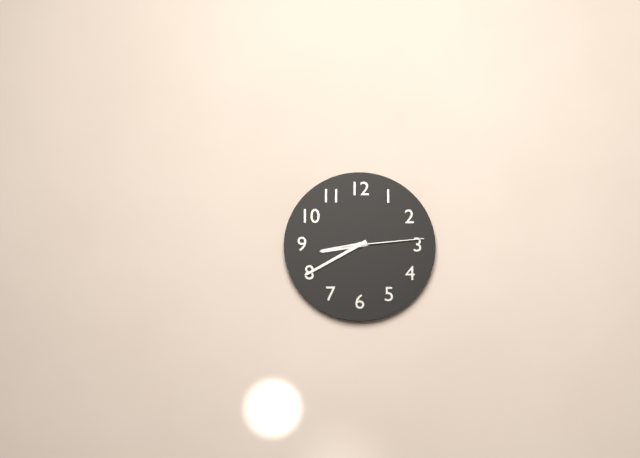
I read 8.40.14
